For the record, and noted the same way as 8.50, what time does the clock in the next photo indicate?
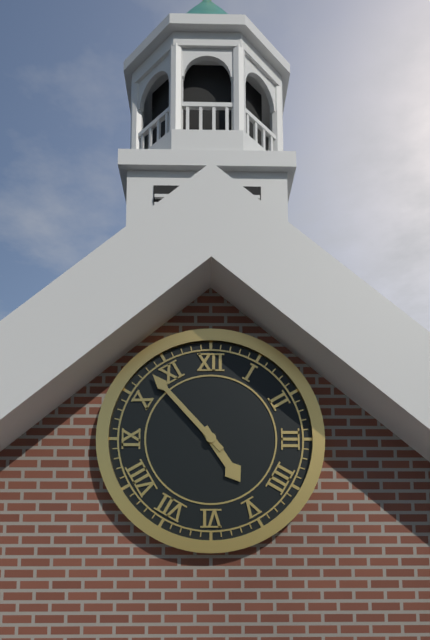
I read 4.53
